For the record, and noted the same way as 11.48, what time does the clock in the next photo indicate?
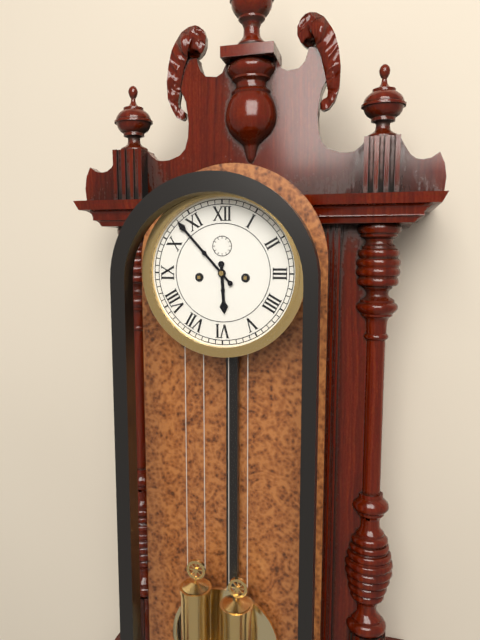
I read 5.53
